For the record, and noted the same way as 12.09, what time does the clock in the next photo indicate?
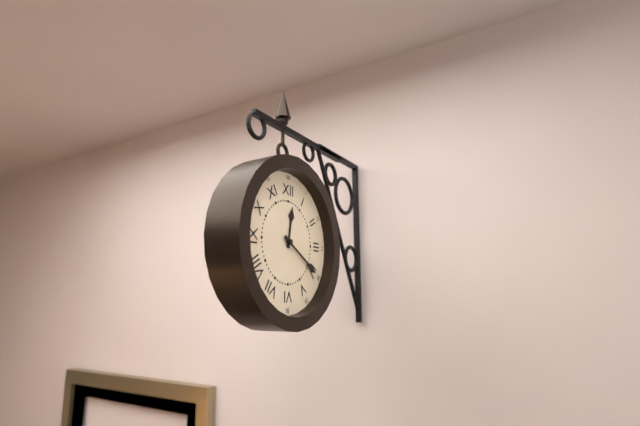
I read 12.20
